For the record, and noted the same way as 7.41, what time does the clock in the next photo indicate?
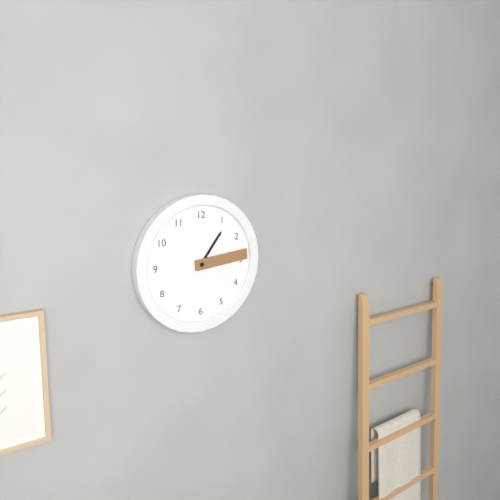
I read 1.14
